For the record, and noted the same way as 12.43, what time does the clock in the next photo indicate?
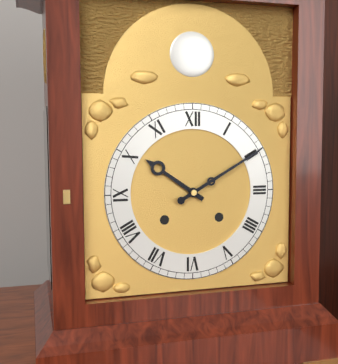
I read 10.10
